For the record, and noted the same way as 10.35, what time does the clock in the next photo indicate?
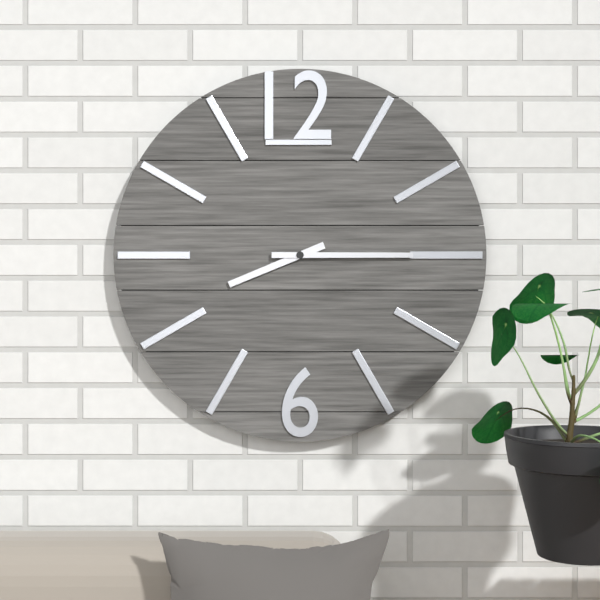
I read 8.15
